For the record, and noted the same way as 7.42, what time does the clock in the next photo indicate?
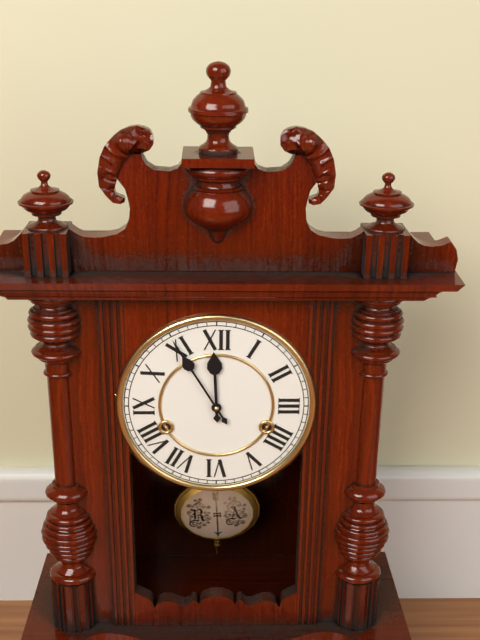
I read 11.55
